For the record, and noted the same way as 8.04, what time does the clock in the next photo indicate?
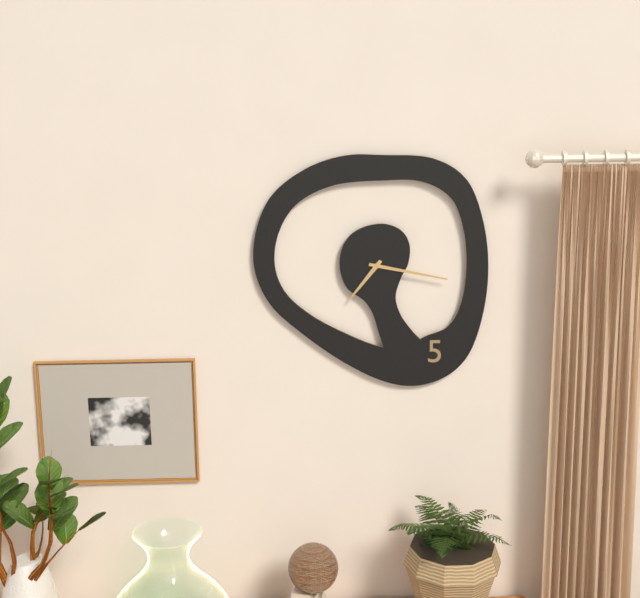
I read 7.17
